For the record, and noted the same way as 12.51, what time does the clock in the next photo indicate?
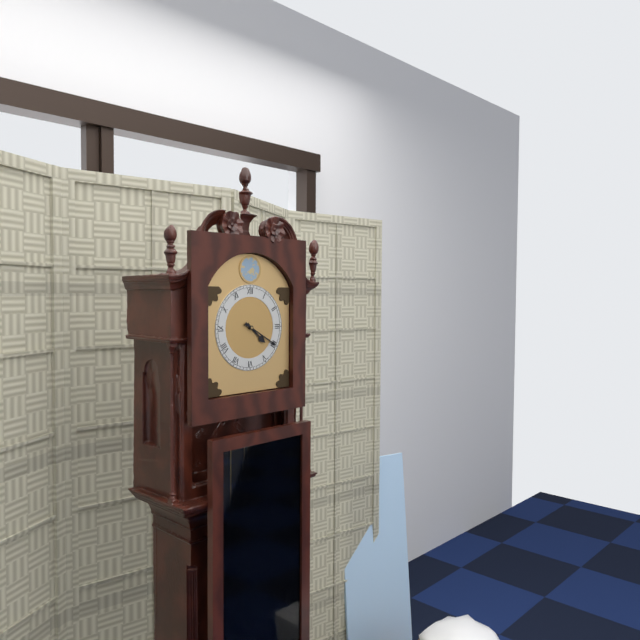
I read 4.20
